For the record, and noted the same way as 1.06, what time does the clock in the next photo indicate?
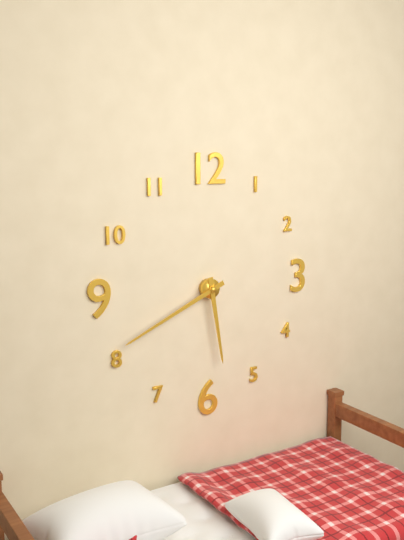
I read 5.41
